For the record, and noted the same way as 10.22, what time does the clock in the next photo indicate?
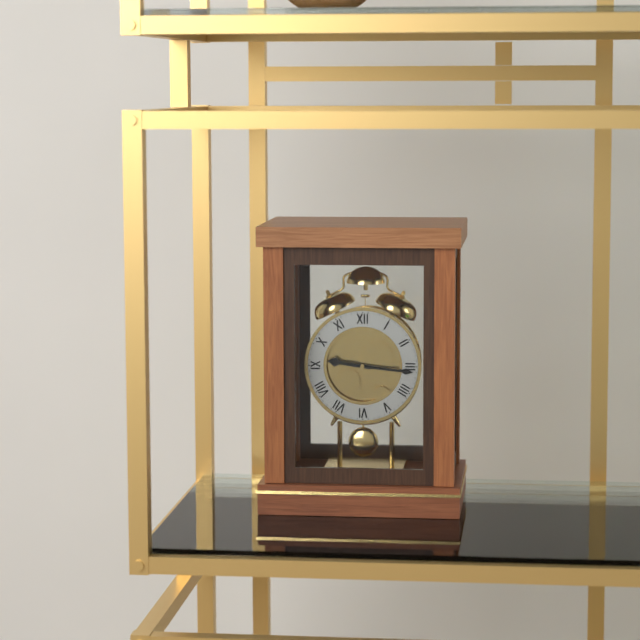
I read 9.16
